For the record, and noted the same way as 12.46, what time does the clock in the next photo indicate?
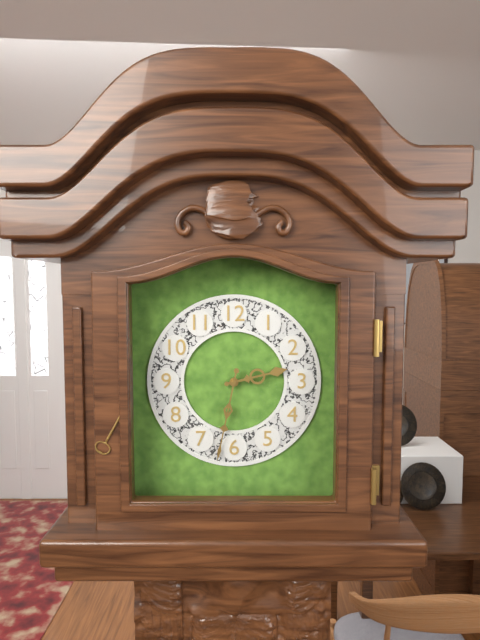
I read 2.32
